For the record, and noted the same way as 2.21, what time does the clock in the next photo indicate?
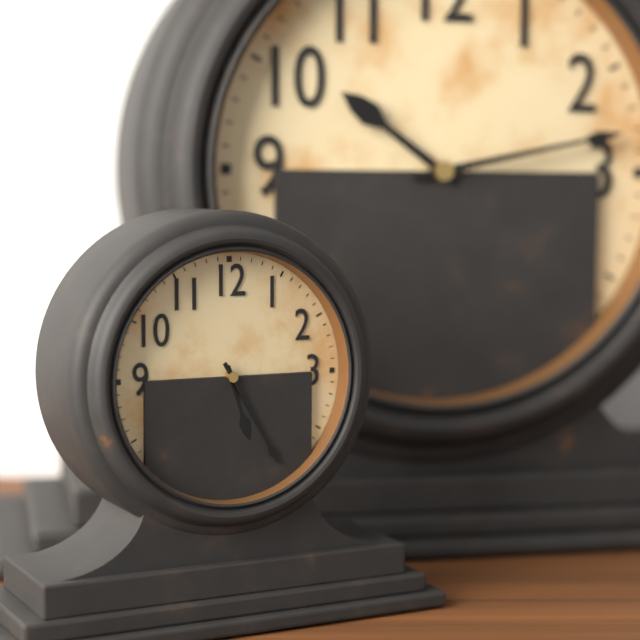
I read 5.25
